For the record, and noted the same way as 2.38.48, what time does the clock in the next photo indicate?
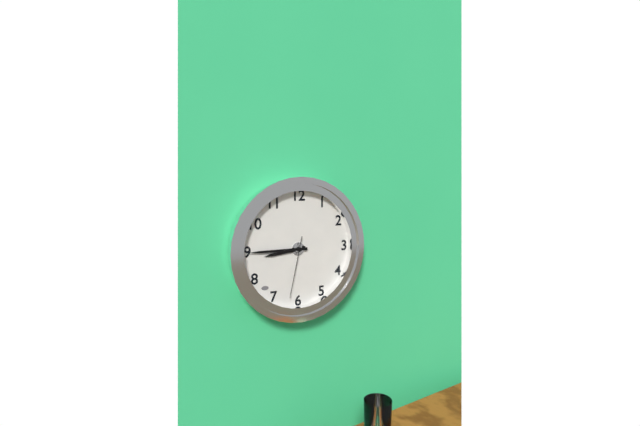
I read 8.45.32
